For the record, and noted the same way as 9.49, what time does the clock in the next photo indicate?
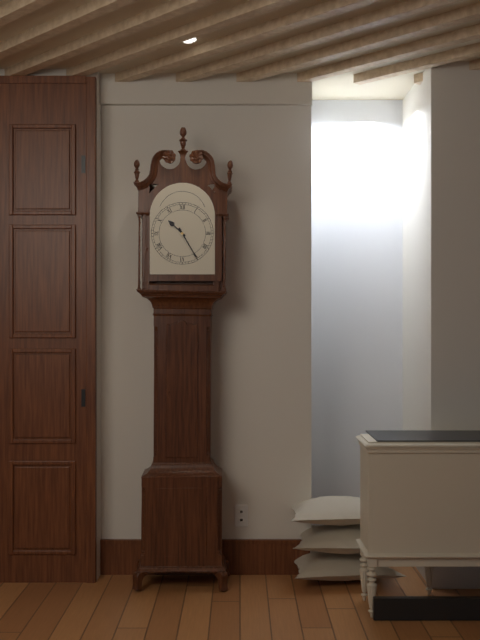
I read 10.25
